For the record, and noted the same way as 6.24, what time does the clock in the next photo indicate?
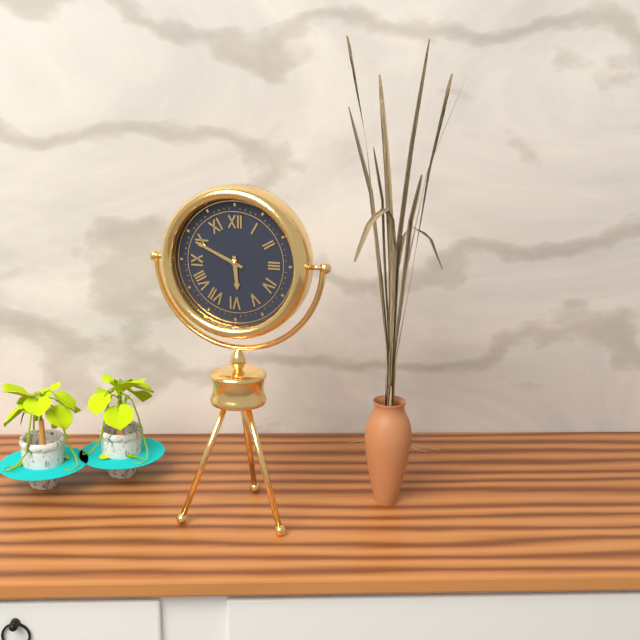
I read 5.49
